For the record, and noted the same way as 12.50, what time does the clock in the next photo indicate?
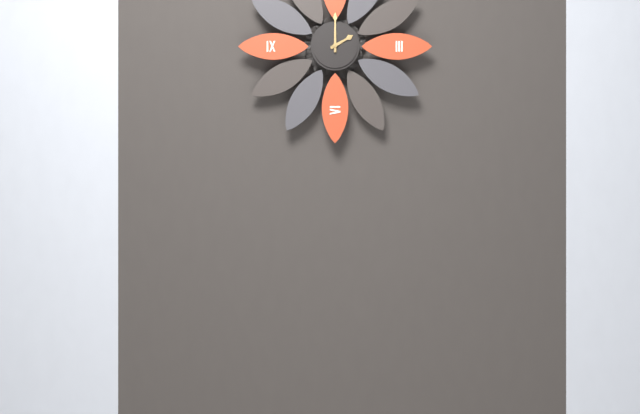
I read 2.00
